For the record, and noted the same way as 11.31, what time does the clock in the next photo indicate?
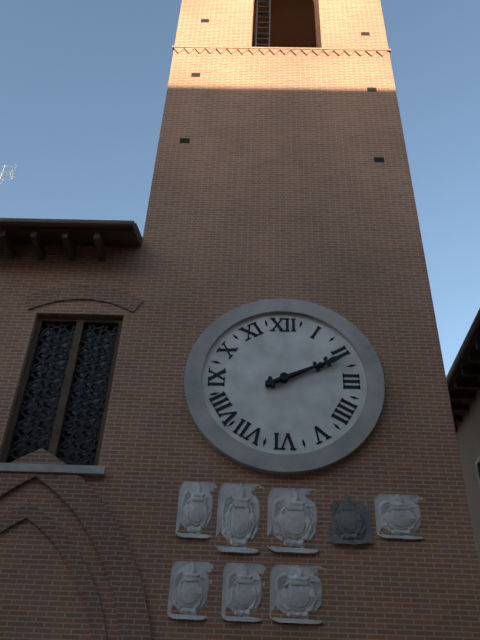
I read 2.11
